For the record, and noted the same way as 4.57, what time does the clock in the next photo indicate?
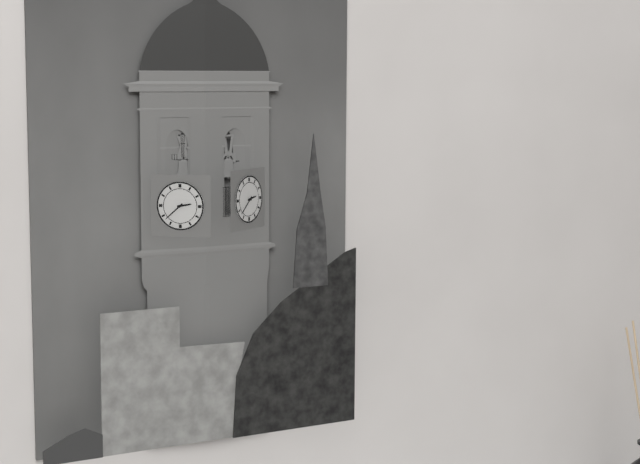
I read 2.38
